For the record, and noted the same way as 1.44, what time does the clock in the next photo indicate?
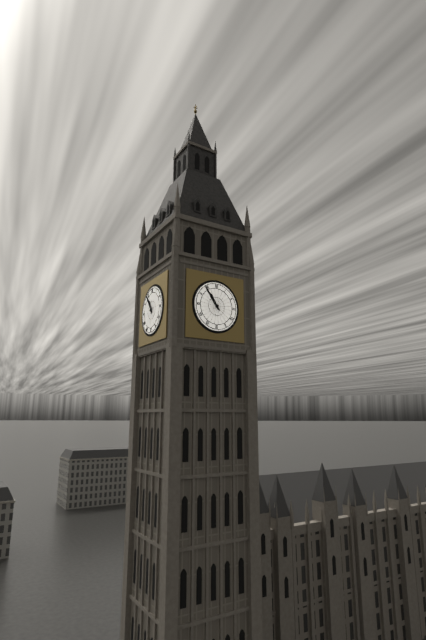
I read 10.54
